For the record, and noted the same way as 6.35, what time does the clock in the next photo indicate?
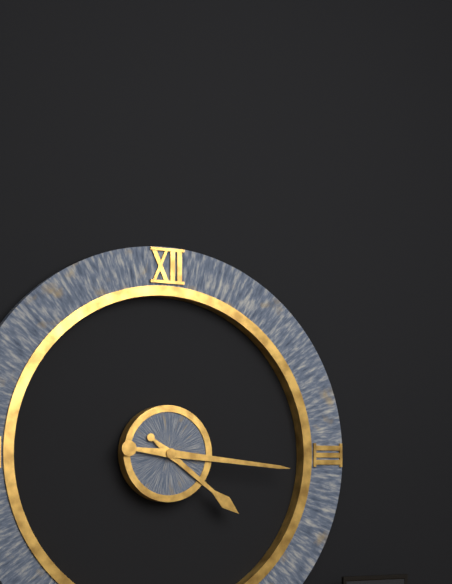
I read 4.16
